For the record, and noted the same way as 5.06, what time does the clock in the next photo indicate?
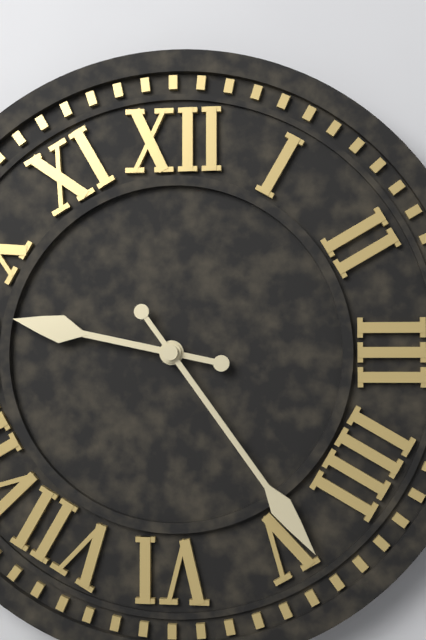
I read 9.24
